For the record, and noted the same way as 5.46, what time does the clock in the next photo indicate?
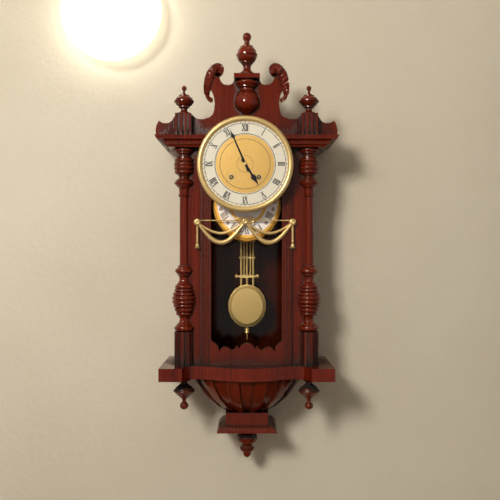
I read 4.56
